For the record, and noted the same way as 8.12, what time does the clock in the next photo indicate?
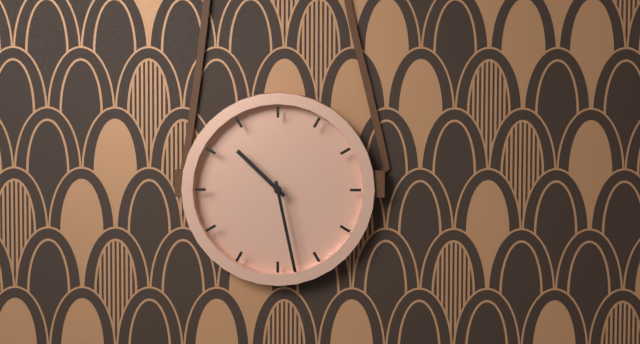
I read 10.28
